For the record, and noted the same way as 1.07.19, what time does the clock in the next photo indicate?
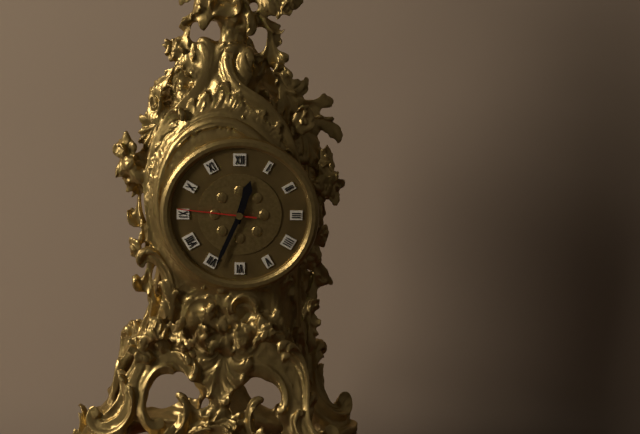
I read 12.34.46
